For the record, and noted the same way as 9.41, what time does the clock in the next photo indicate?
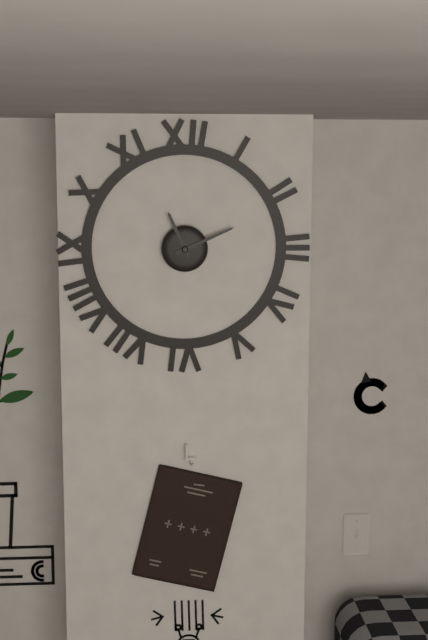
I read 11.11
